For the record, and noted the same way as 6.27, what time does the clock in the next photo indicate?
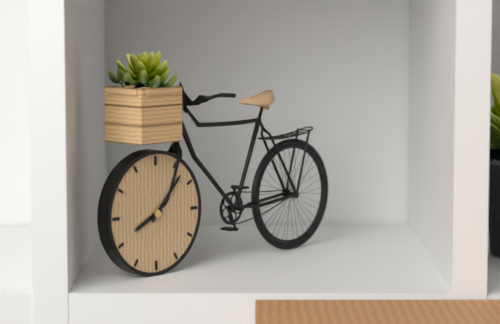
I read 8.07
